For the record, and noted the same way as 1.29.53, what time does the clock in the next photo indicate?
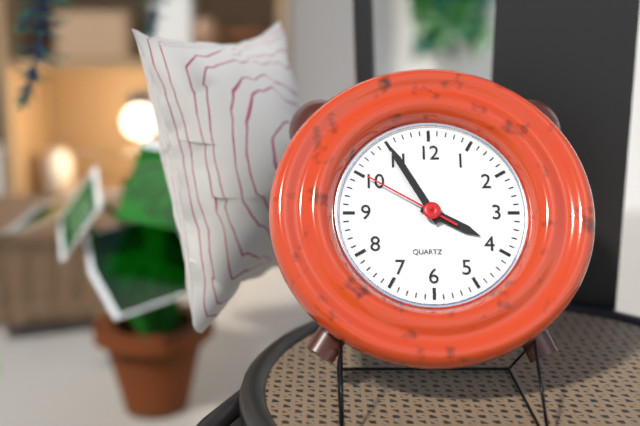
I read 3.55.50
